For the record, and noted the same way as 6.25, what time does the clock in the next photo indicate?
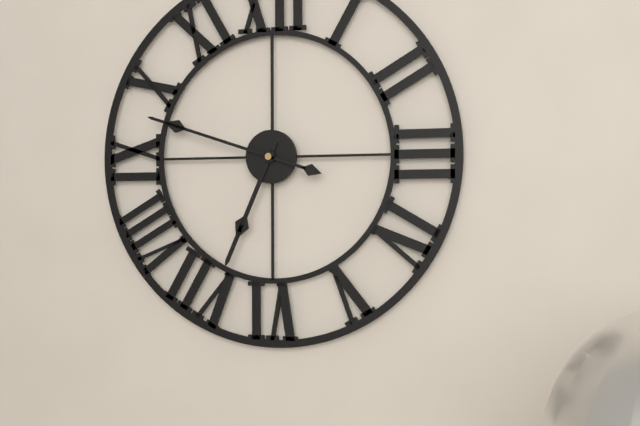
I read 6.48
